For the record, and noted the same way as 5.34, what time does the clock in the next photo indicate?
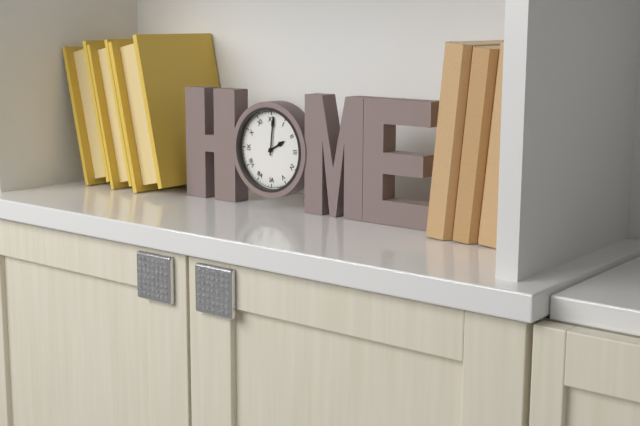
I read 2.01
